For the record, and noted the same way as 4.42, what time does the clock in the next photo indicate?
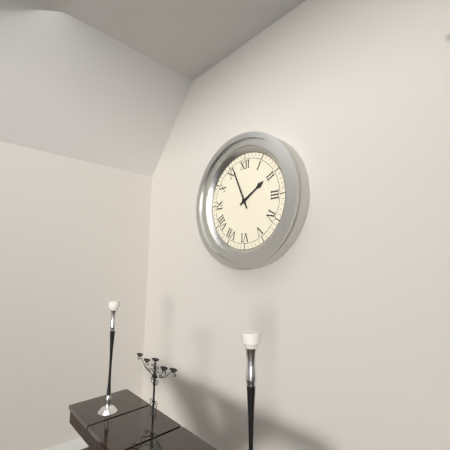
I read 1.56
